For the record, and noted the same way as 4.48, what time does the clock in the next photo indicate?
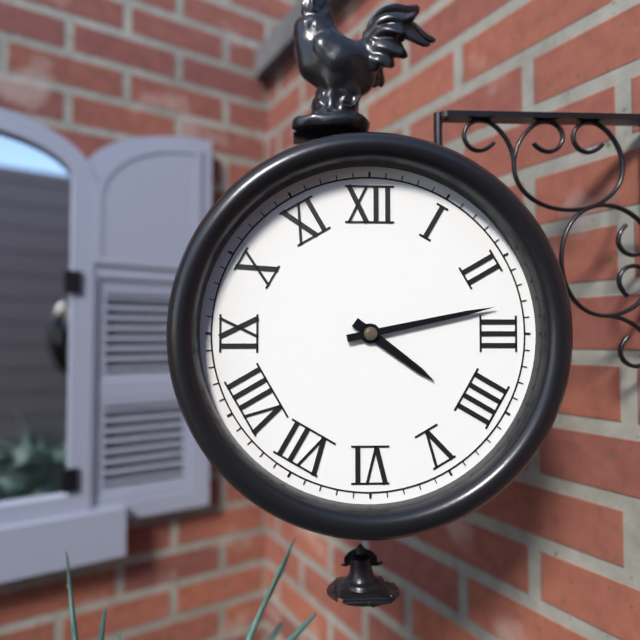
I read 4.13
